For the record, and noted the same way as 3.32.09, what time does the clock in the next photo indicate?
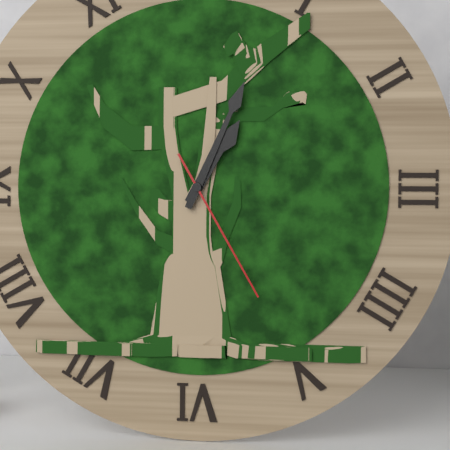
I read 1.04.25
